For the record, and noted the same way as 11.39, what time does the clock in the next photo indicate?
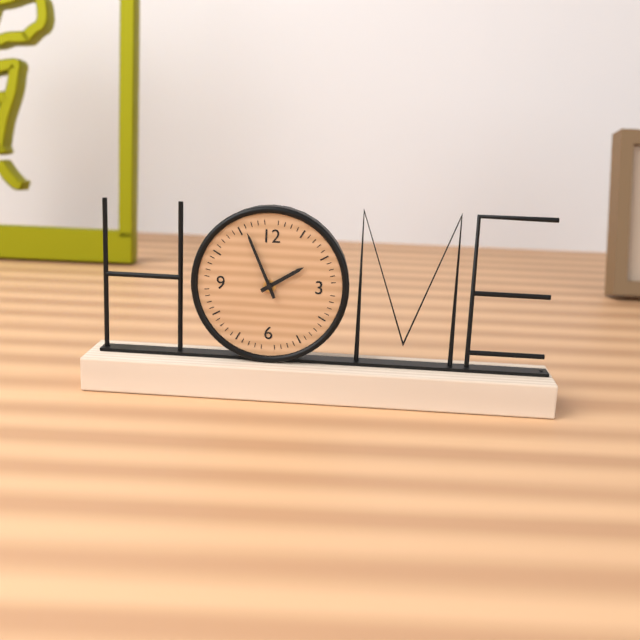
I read 1.56
